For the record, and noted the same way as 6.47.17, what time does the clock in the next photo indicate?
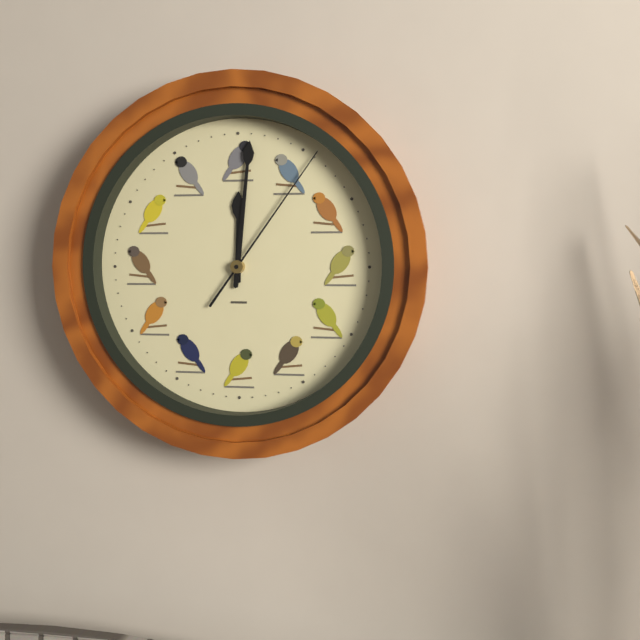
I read 12.01.06
